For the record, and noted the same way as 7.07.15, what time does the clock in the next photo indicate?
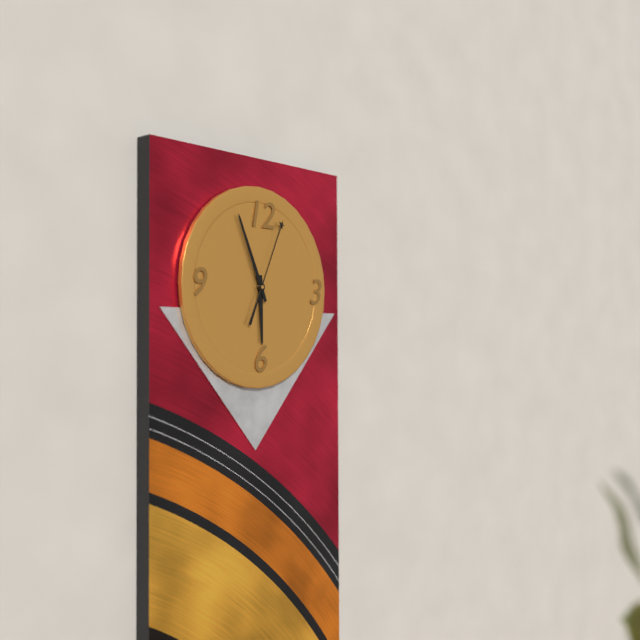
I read 5.56.04
